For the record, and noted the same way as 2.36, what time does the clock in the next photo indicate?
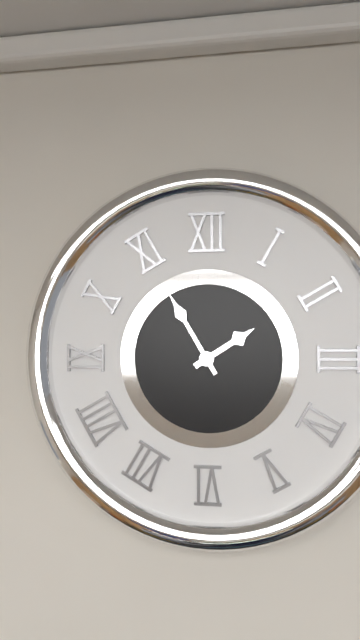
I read 1.55
